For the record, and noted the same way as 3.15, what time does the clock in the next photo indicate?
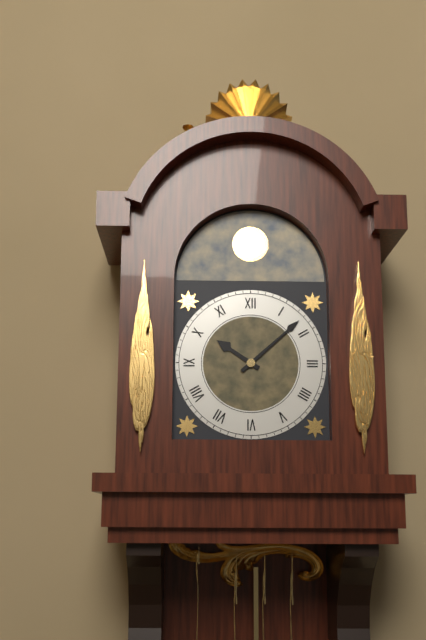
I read 10.08
